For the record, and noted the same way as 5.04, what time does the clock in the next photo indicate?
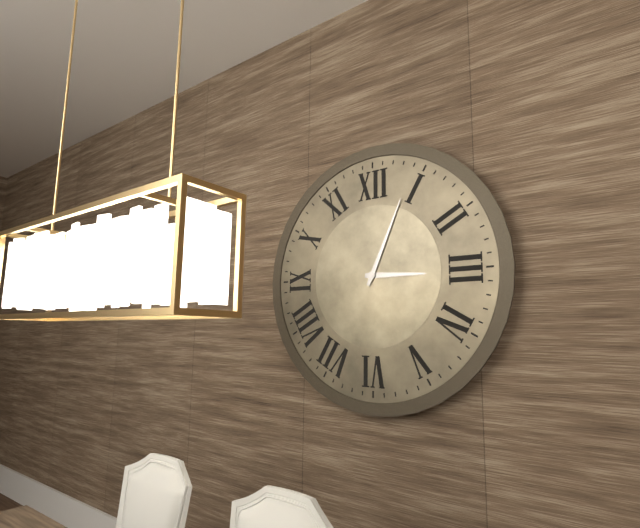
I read 3.04
